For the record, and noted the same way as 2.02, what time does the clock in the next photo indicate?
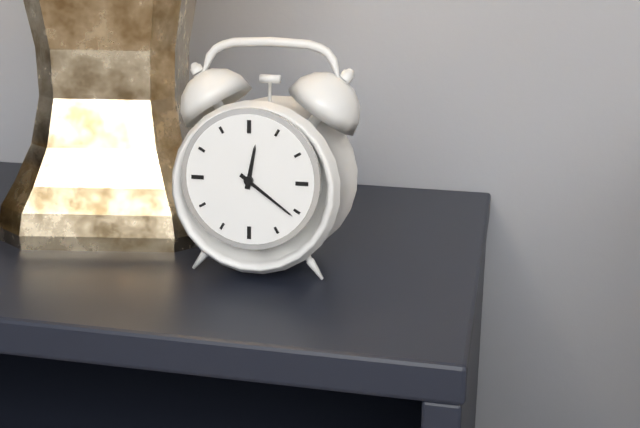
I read 12.21
